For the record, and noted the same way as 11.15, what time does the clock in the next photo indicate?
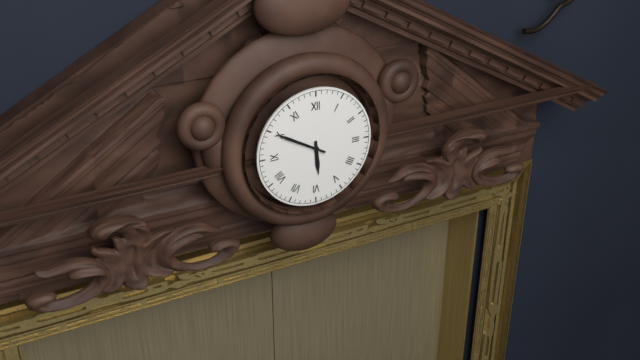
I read 5.50
